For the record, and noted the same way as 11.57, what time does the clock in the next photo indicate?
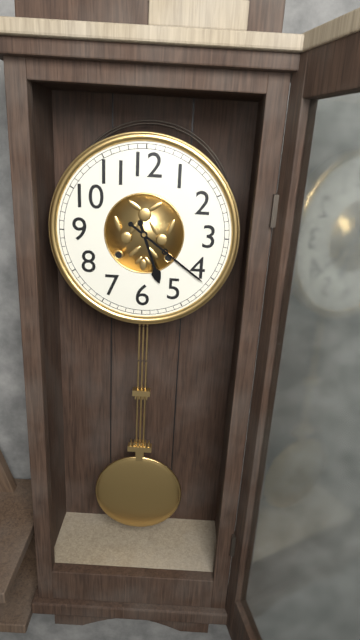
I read 5.21
